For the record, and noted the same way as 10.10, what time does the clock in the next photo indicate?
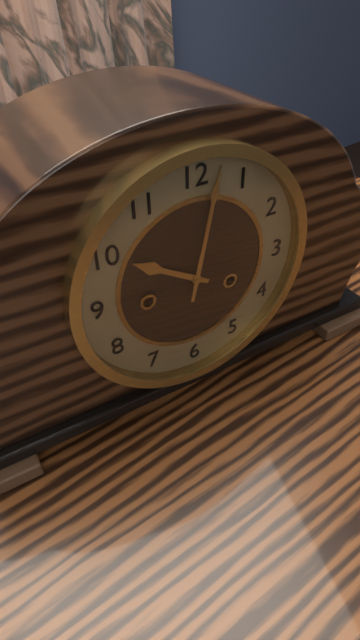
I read 10.02
